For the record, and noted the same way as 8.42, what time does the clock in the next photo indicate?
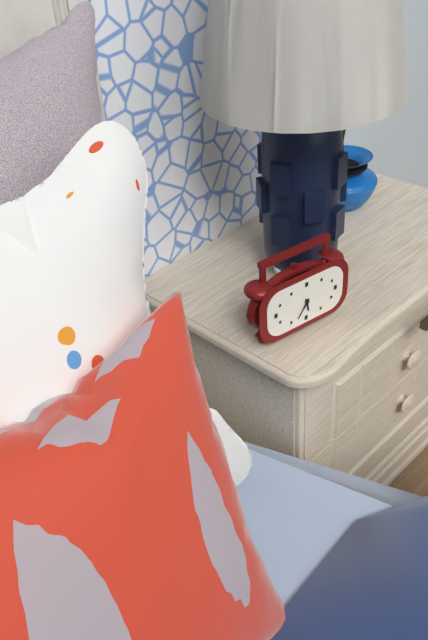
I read 5.36
